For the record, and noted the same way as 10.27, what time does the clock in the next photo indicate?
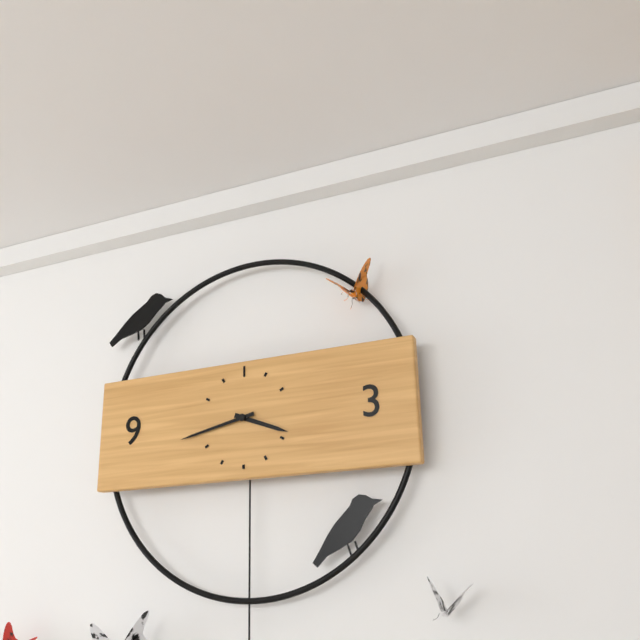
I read 3.43
